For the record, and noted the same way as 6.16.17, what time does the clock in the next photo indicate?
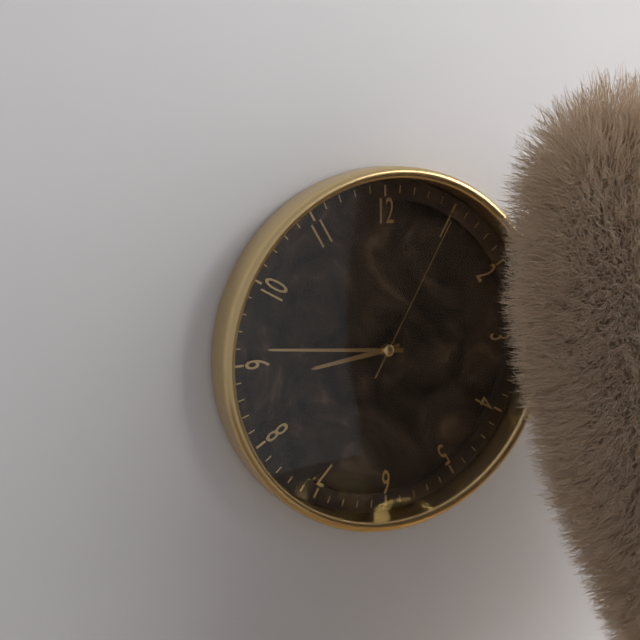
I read 8.46.05
